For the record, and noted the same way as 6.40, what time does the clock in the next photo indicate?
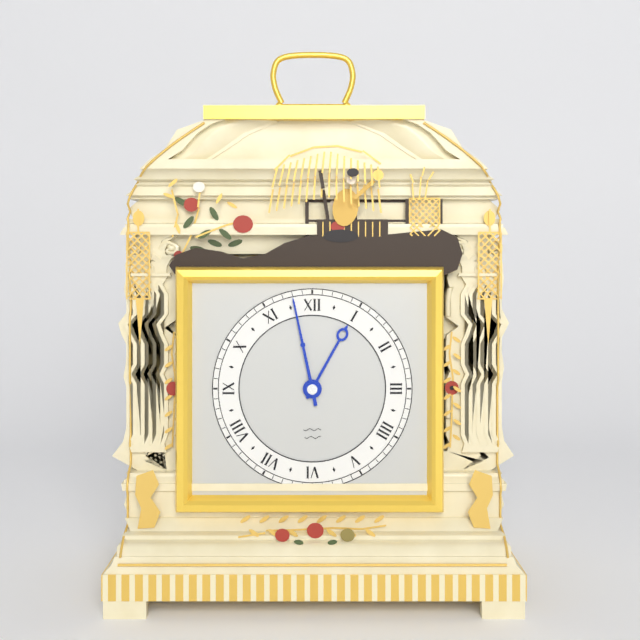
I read 12.58
